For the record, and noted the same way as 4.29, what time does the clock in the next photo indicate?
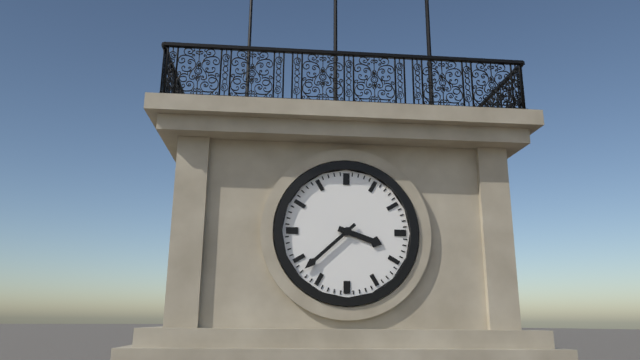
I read 3.38
